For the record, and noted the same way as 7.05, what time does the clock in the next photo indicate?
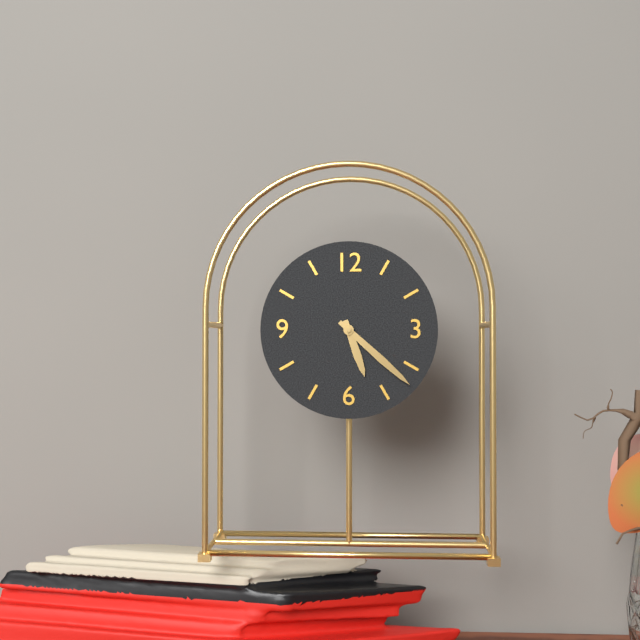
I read 5.22
